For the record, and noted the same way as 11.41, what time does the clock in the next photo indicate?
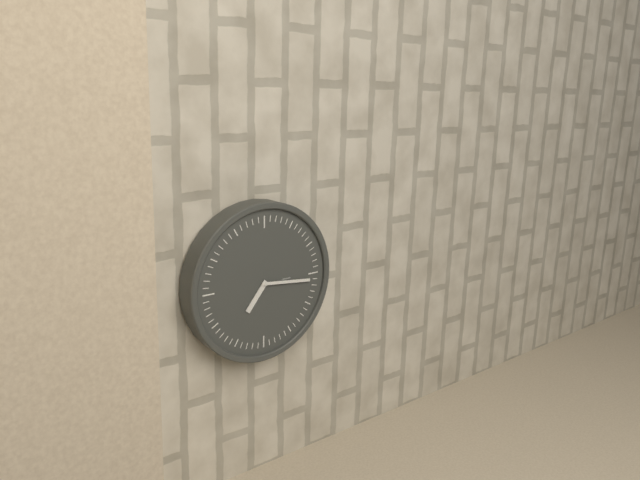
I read 7.16
